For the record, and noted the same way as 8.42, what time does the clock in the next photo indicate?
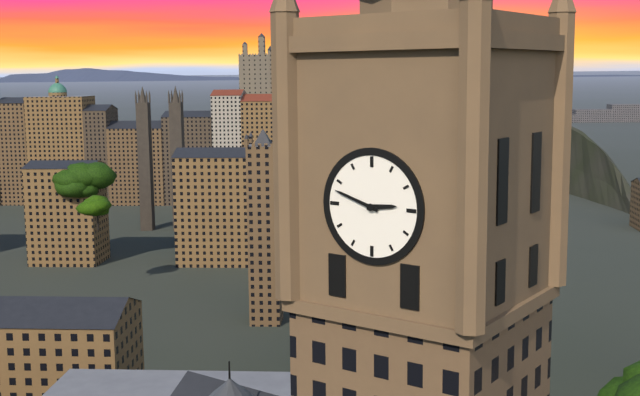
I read 2.48
